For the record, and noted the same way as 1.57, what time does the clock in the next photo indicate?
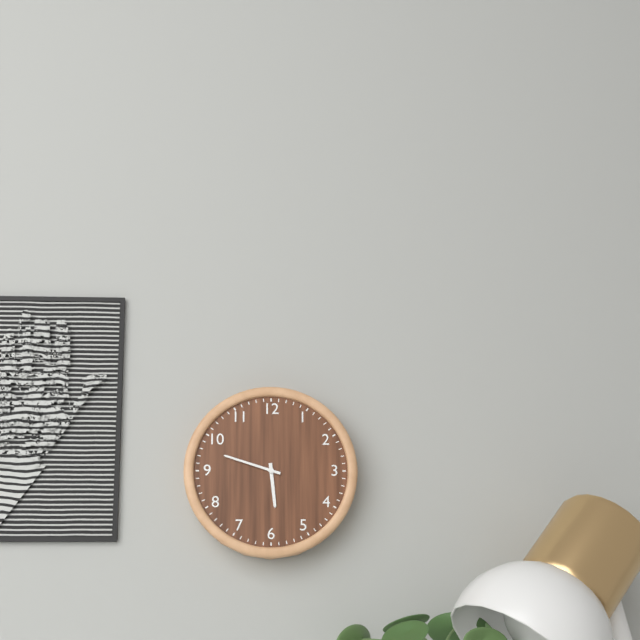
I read 5.48
